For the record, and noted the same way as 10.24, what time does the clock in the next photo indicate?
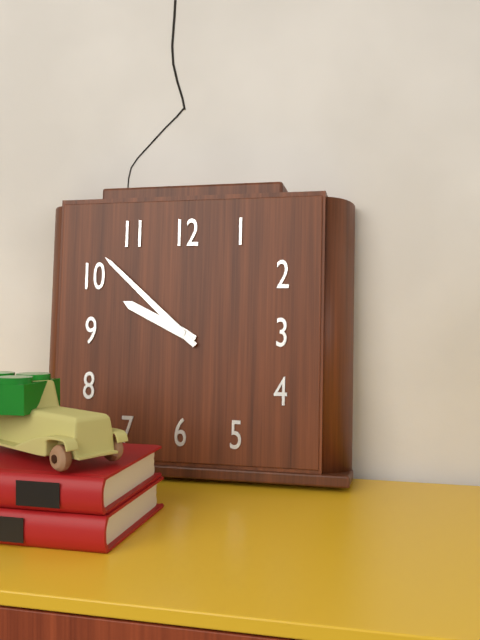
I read 9.52
